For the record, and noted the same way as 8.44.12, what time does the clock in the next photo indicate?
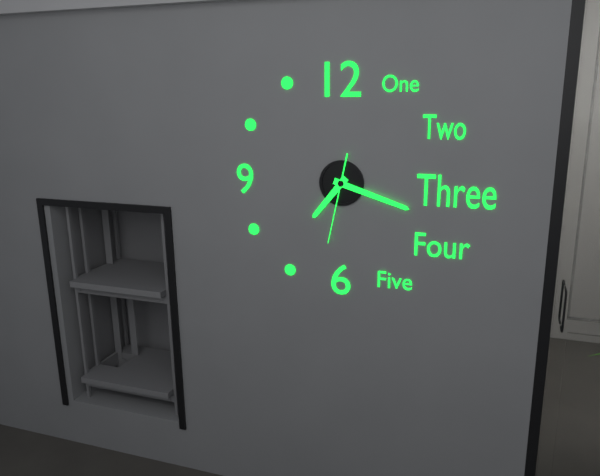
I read 7.18.32
